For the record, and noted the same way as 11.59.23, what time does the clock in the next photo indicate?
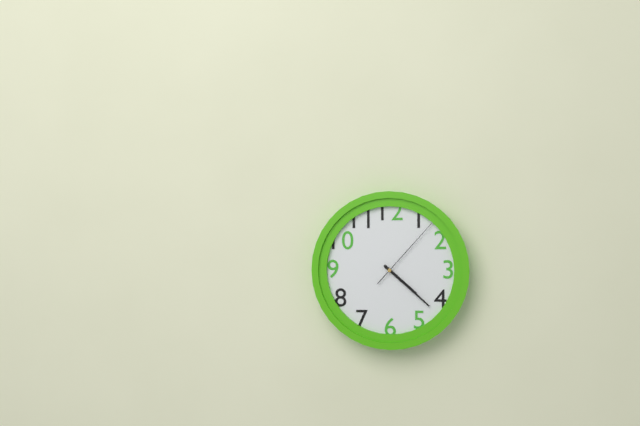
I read 4.22.07
